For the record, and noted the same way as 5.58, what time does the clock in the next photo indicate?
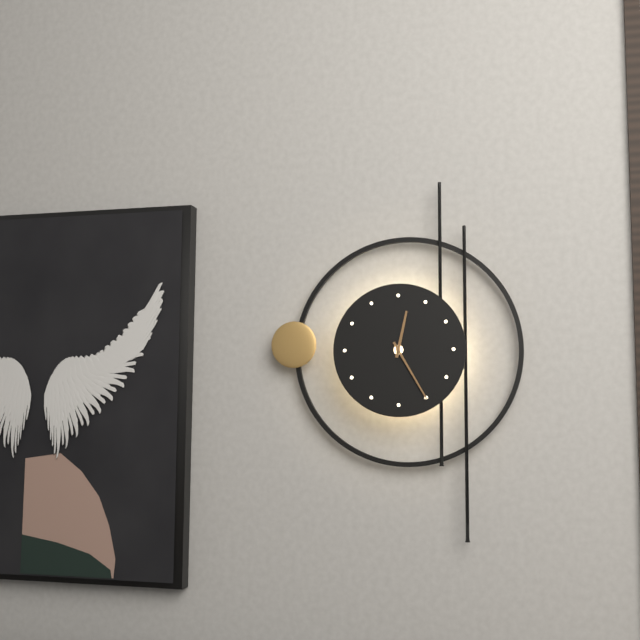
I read 12.25
